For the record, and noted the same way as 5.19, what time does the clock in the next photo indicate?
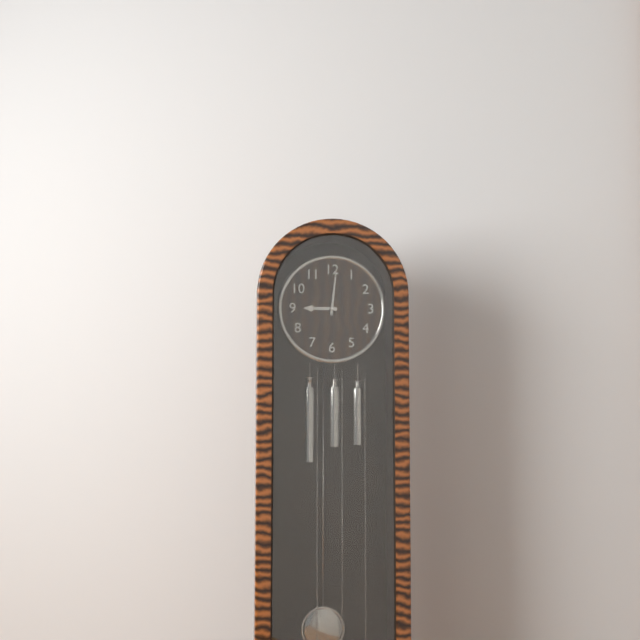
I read 9.01
